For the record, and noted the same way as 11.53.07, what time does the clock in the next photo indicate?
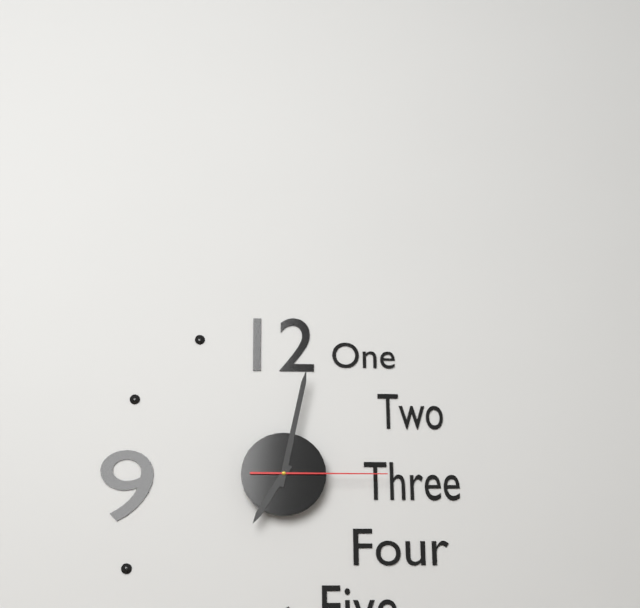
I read 7.02.15
